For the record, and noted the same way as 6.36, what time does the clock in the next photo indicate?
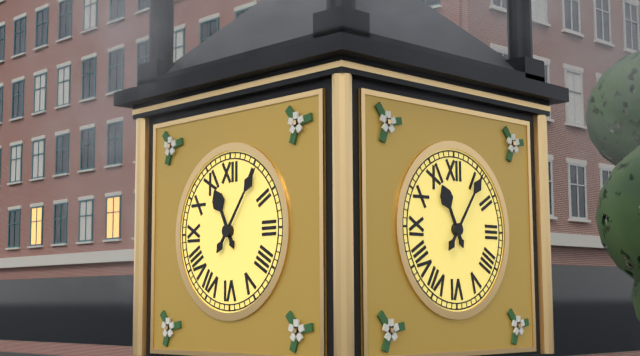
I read 11.06
